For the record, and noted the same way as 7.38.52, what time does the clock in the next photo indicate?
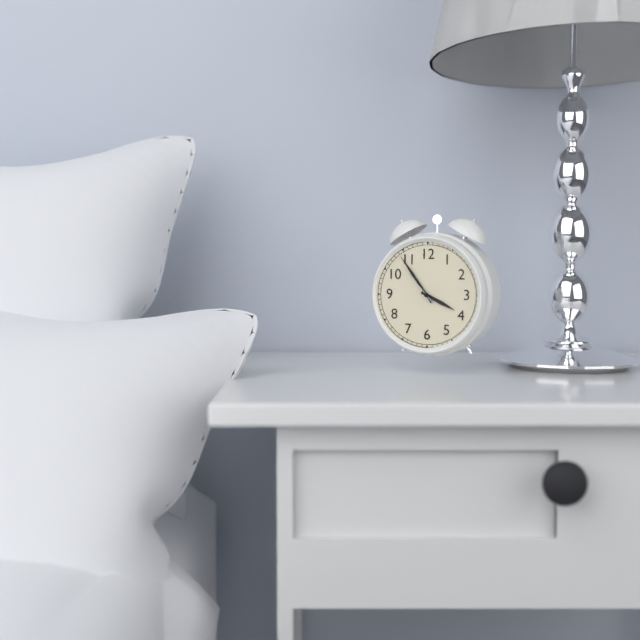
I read 3.54.53
